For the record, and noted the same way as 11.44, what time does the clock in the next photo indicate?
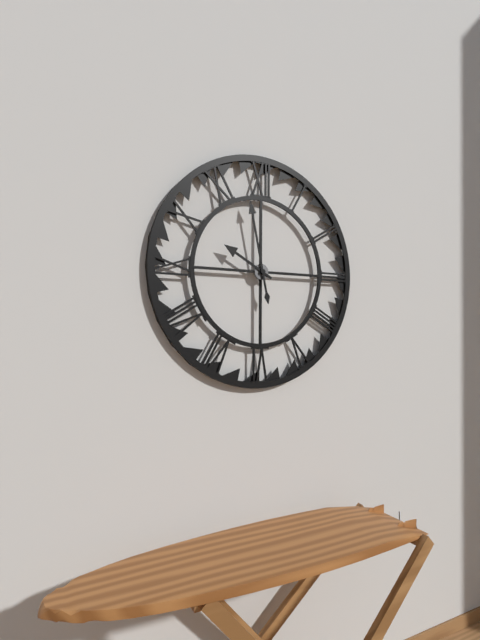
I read 9.58
